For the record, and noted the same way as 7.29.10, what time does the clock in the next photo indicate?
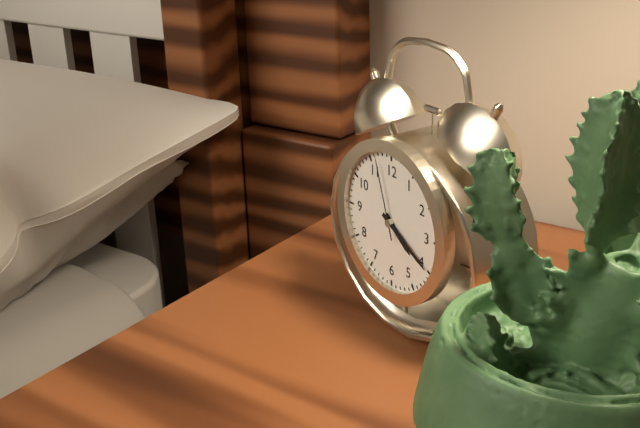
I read 4.20.57
